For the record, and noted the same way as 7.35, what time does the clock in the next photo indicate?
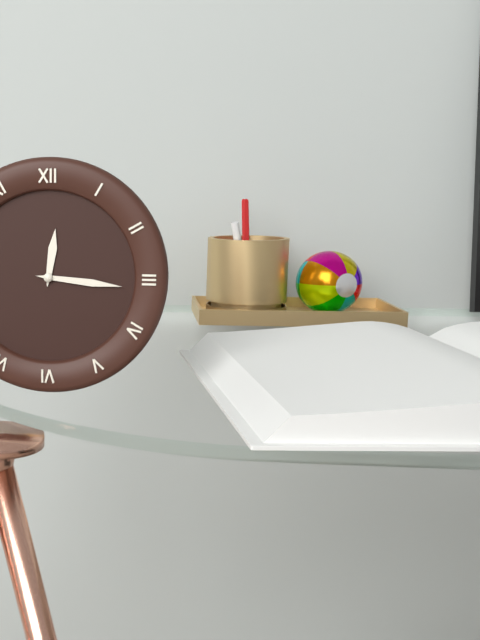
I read 12.16
